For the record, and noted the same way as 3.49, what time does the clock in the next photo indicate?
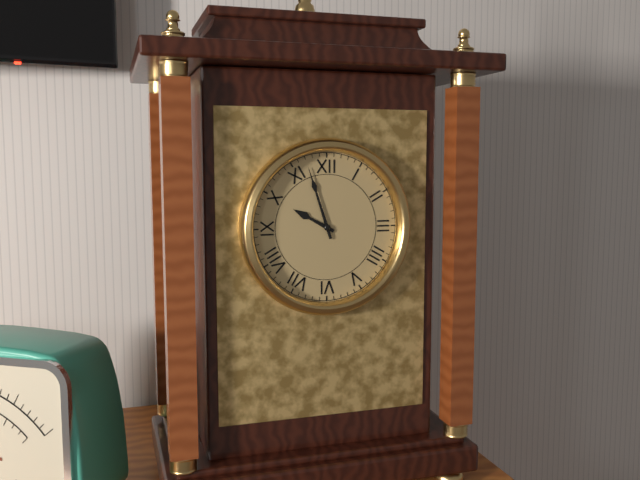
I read 9.57
